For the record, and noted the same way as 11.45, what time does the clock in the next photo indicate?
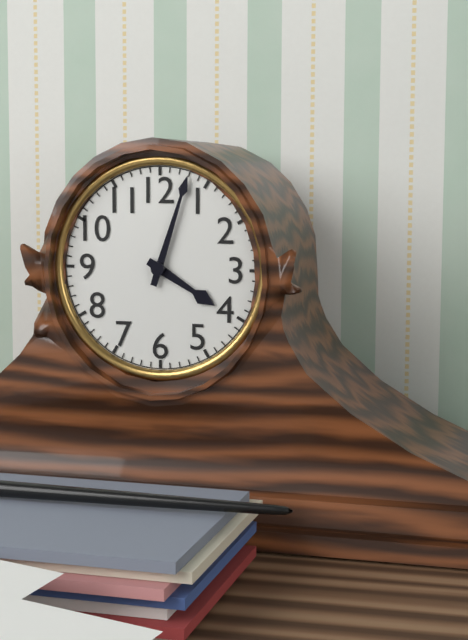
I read 4.03
